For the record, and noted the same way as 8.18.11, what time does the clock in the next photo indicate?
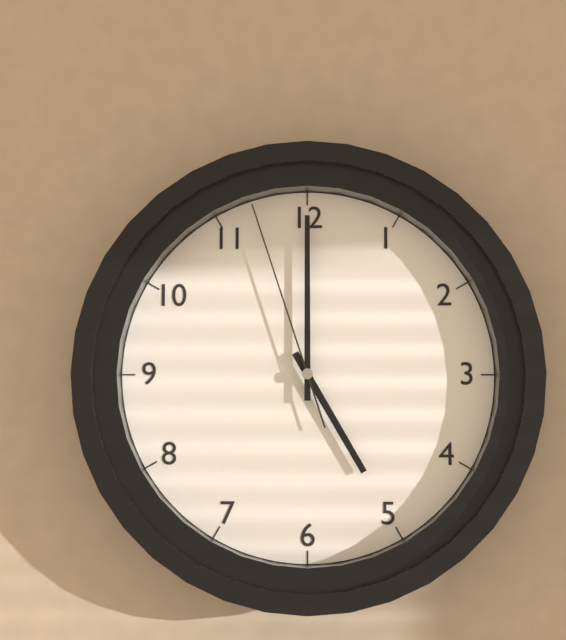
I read 5.00.57
